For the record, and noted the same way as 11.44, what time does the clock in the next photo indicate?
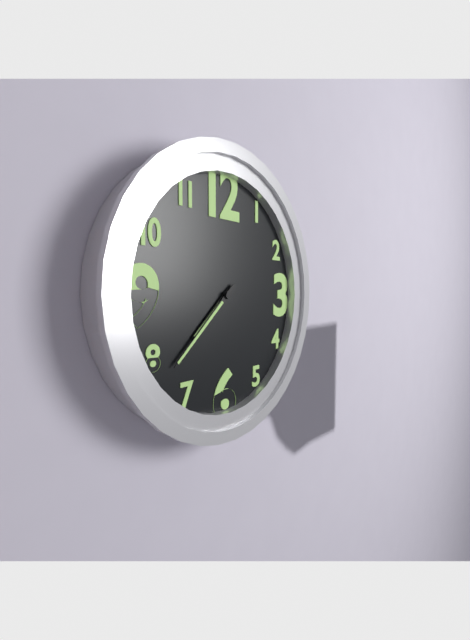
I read 7.38
